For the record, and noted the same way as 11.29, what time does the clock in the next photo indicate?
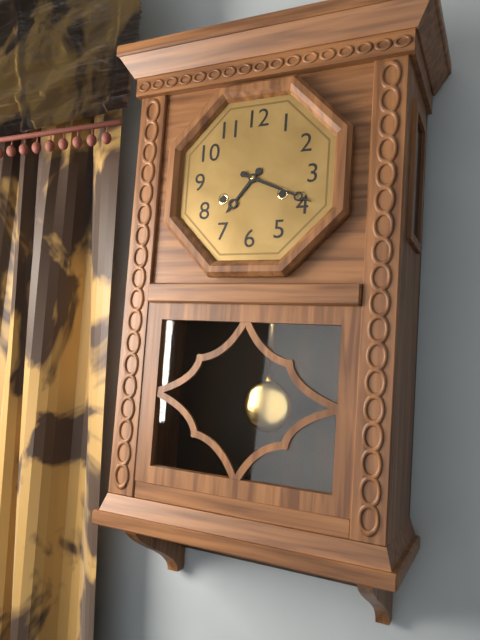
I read 7.19
